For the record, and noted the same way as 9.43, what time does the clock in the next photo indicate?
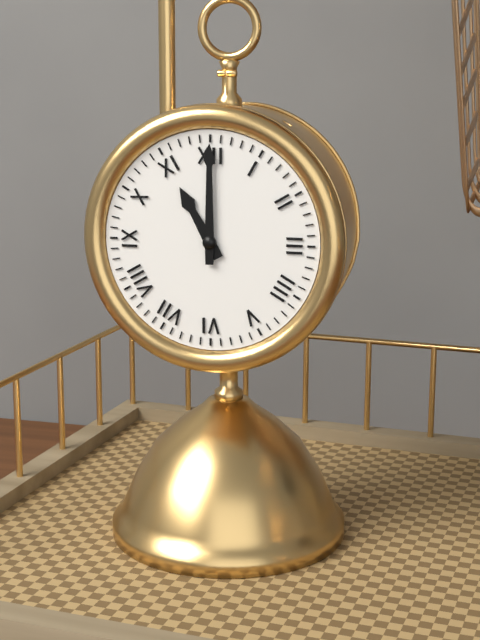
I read 11.00
